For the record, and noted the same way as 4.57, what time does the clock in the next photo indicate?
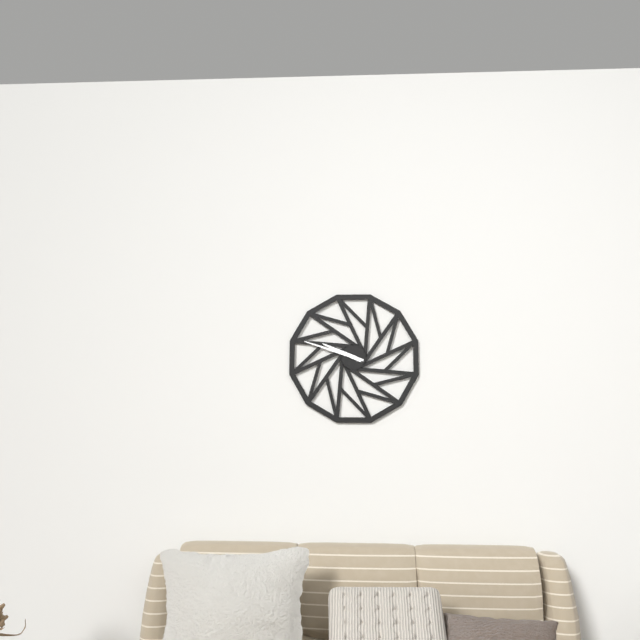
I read 9.48
